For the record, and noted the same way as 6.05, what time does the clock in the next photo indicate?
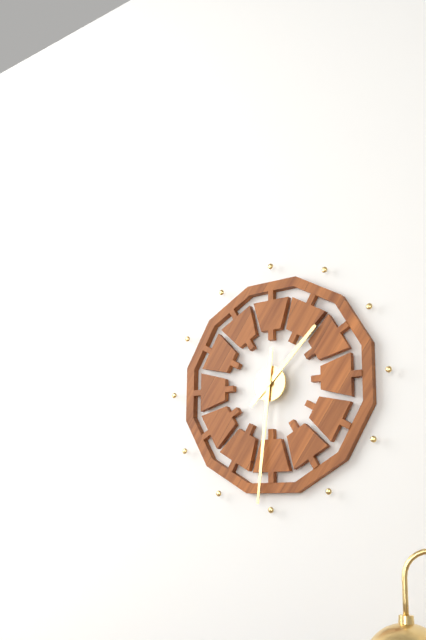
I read 1.31
